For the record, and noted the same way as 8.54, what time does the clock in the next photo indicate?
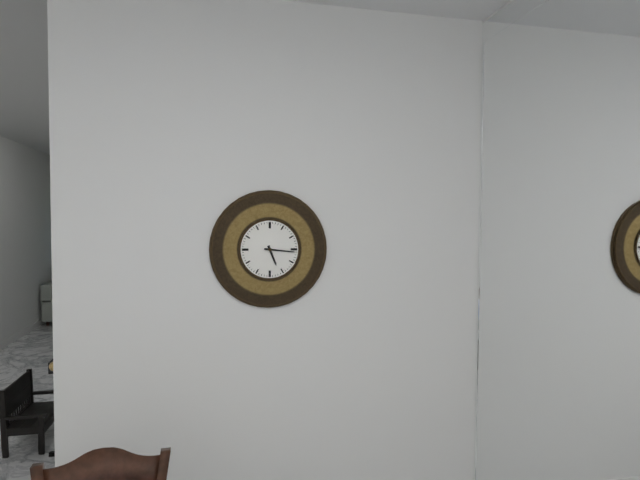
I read 5.16
